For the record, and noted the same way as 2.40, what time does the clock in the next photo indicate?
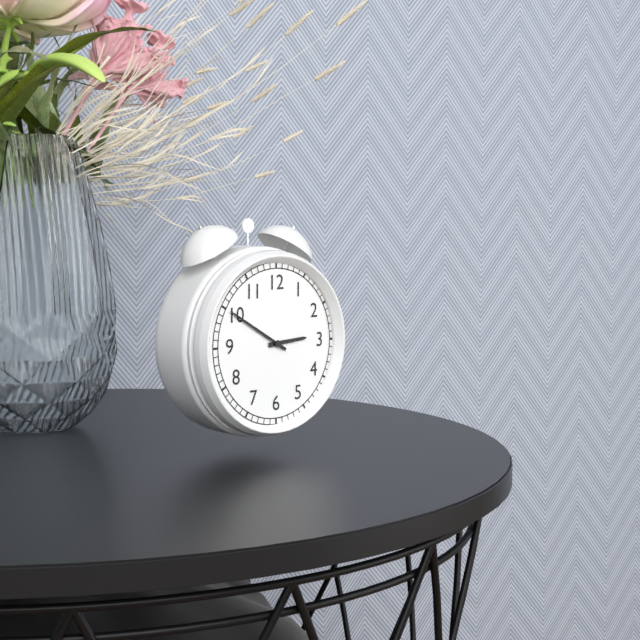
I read 2.50
